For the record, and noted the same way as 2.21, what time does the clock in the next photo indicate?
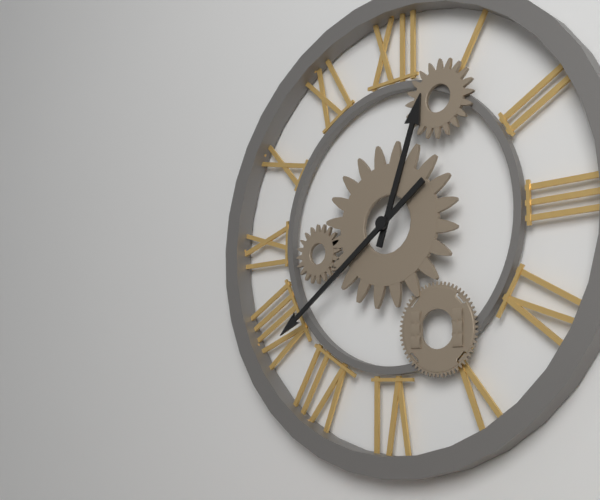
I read 12.39
